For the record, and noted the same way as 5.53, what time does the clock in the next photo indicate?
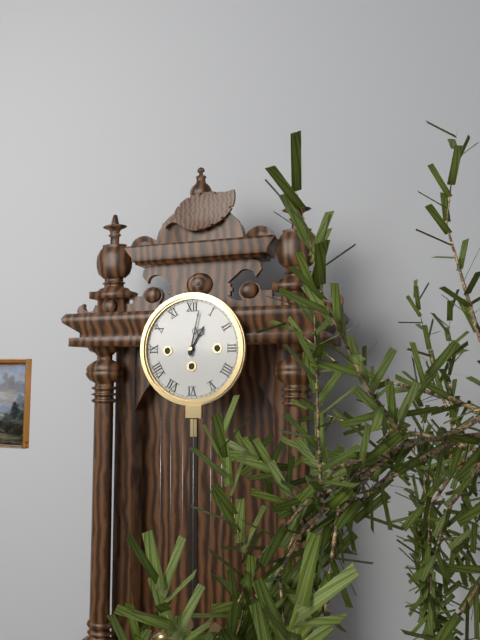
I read 1.02
